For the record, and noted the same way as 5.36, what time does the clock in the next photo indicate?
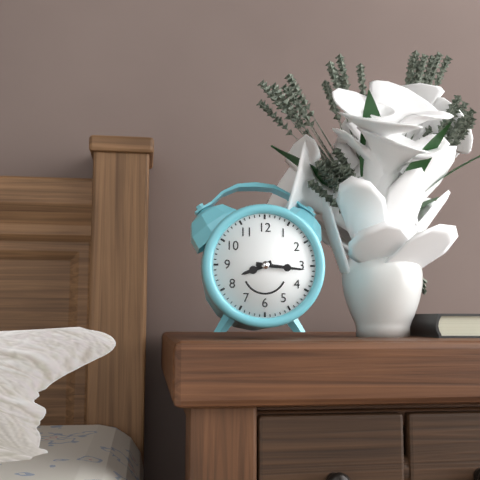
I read 8.16
